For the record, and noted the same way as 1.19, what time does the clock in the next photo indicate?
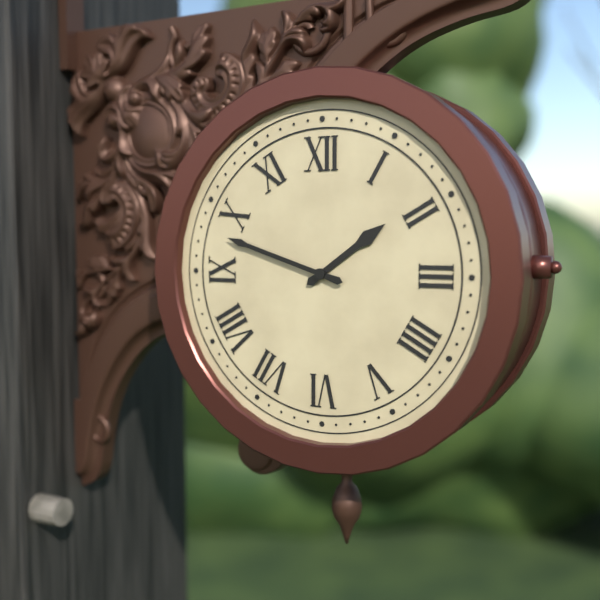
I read 1.48
